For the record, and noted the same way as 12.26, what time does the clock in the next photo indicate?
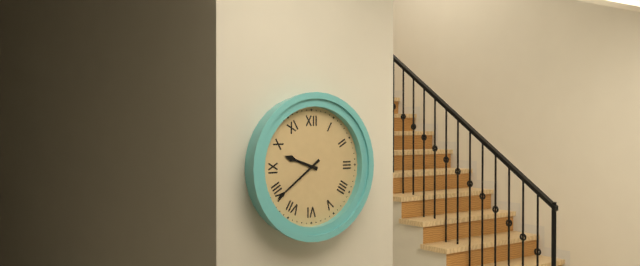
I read 9.39
